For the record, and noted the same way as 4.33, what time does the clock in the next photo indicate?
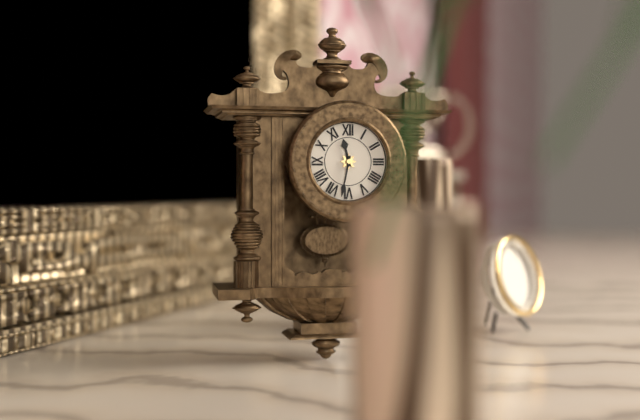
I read 11.32
